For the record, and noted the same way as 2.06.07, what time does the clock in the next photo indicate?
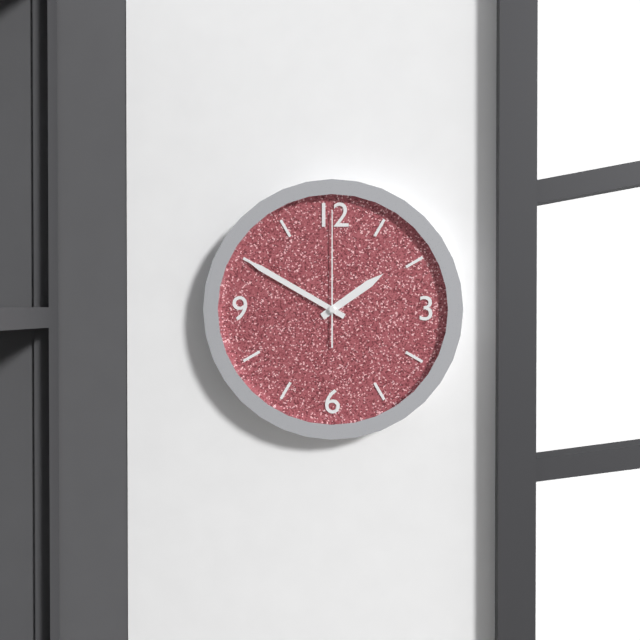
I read 1.50.00
